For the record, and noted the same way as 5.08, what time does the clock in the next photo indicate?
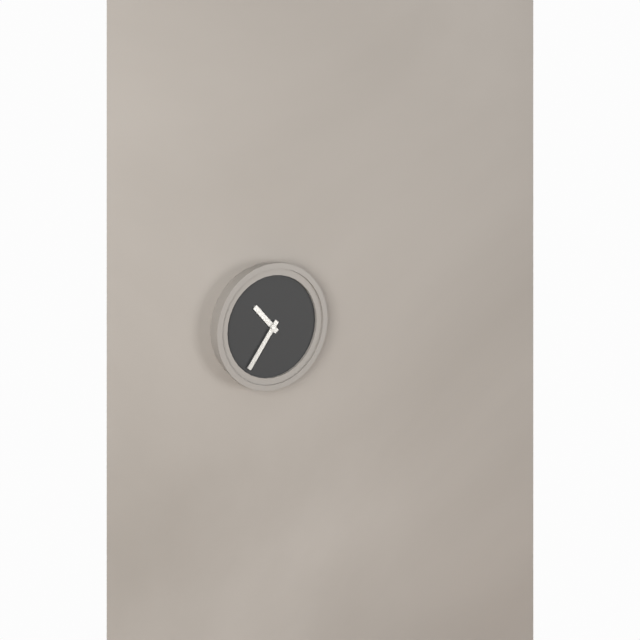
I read 10.36
